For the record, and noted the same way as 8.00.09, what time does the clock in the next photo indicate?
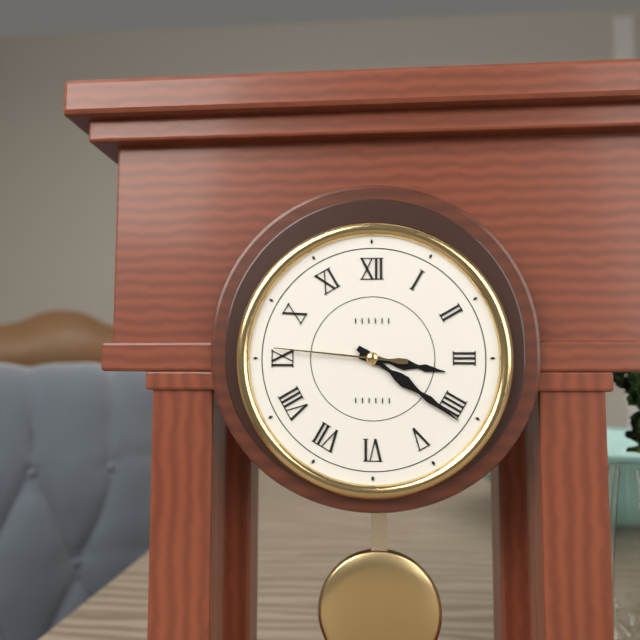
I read 3.21.46
